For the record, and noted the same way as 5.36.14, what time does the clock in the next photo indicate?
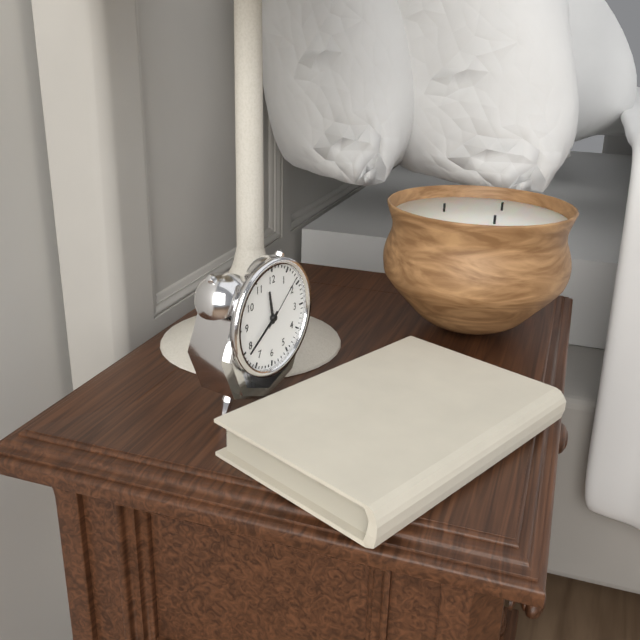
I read 11.39.08
